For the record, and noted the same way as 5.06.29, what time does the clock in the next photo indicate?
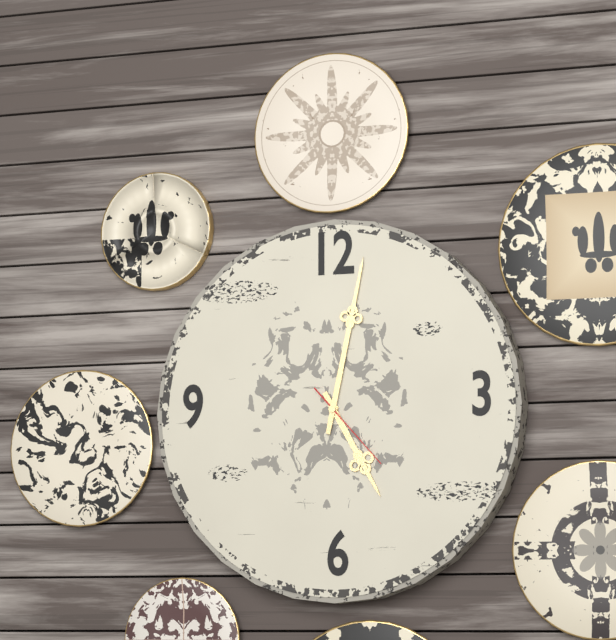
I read 5.02.23
